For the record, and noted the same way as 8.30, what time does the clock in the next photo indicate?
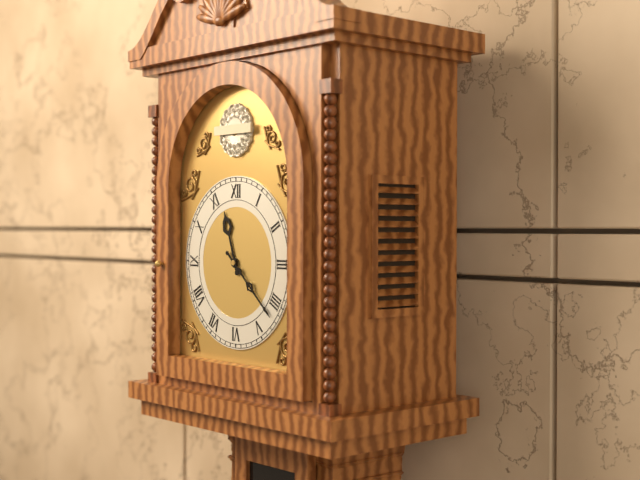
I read 11.22
